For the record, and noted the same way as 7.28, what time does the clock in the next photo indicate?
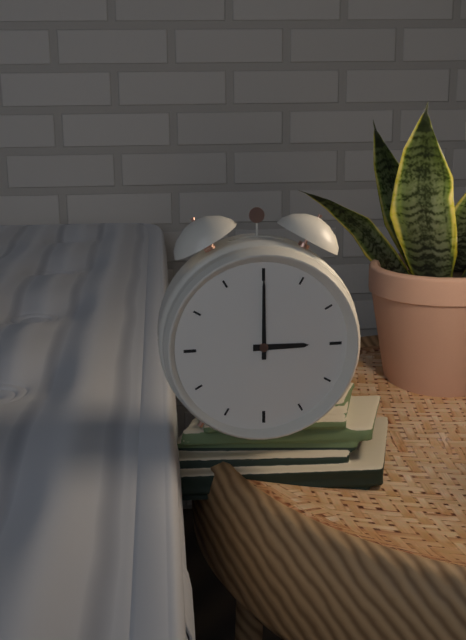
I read 3.00
